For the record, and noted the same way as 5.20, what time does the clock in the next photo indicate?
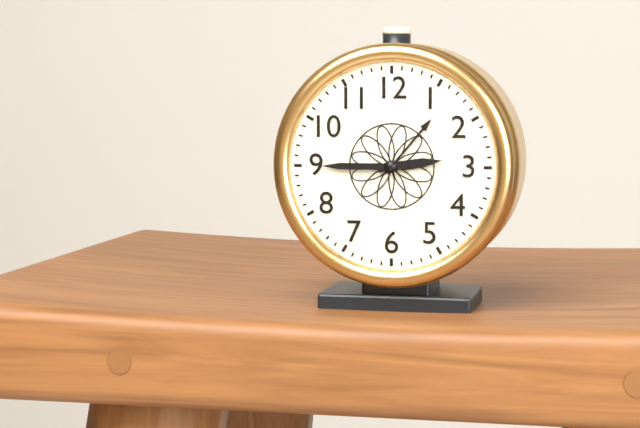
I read 2.45
